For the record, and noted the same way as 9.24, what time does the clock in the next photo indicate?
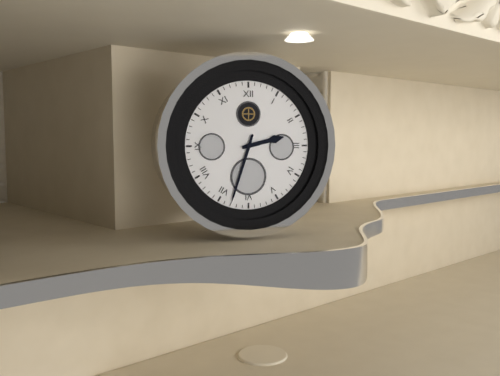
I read 2.33
